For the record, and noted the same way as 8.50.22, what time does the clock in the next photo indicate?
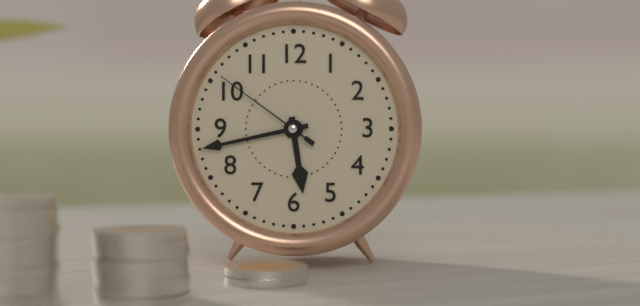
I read 5.43.51
